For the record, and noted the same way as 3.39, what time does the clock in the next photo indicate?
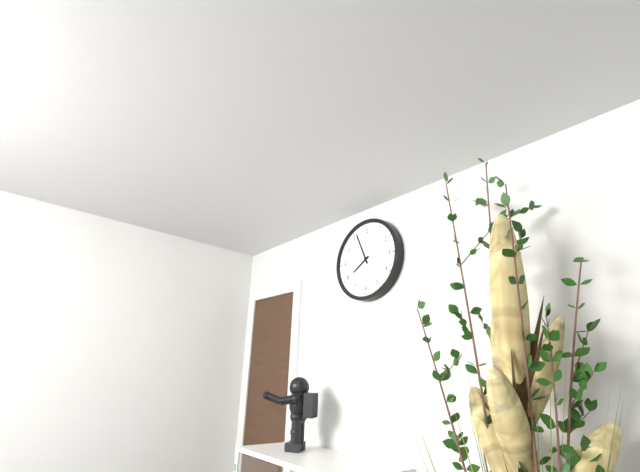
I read 7.56
